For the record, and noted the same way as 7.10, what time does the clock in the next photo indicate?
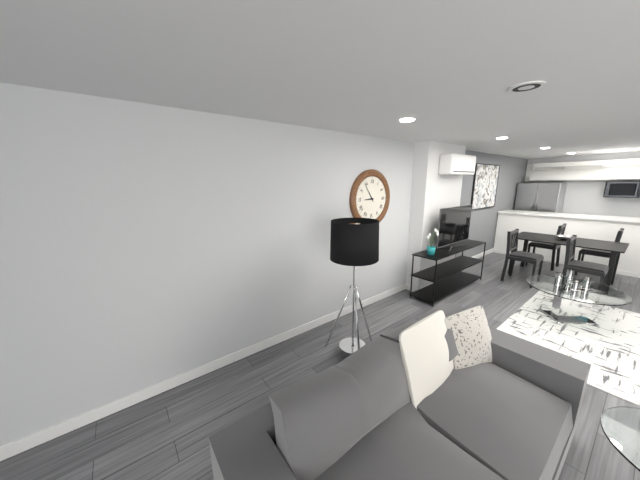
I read 8.54
